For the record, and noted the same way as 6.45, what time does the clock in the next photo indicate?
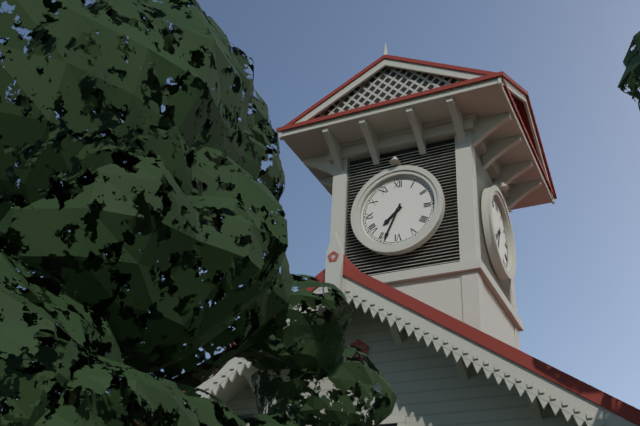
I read 7.34
